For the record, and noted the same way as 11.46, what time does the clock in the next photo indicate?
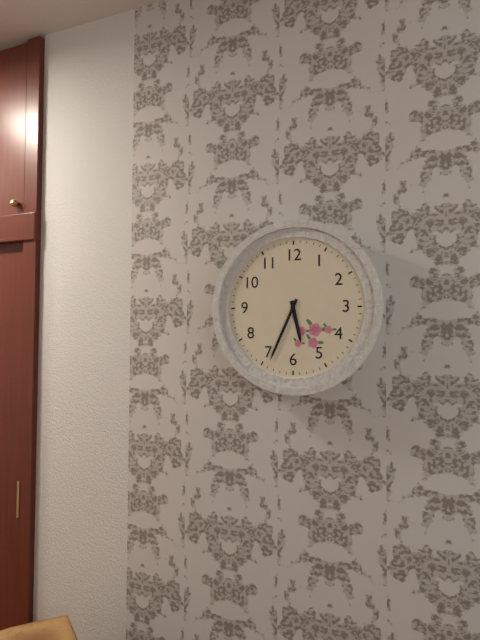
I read 5.34
